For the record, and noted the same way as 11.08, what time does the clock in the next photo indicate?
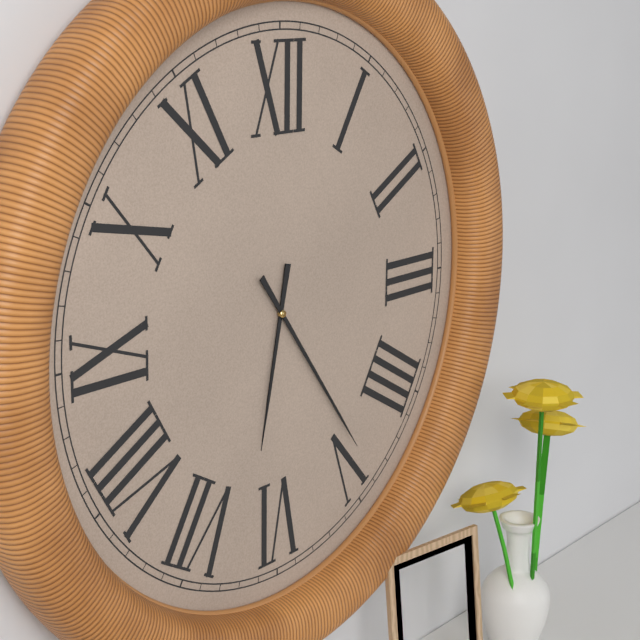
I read 6.24
